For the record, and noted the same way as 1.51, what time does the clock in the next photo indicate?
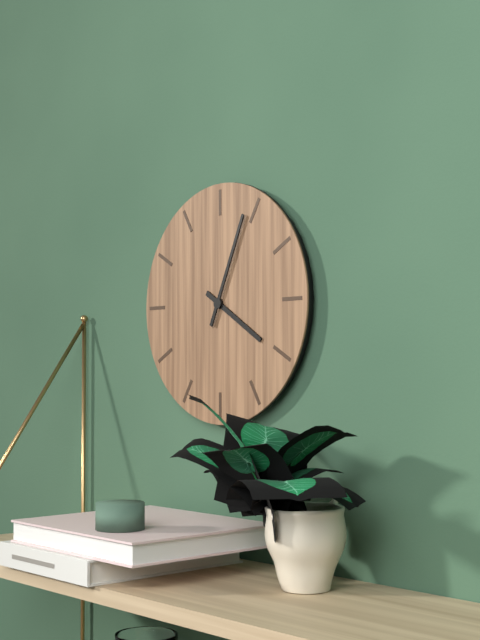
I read 4.04
